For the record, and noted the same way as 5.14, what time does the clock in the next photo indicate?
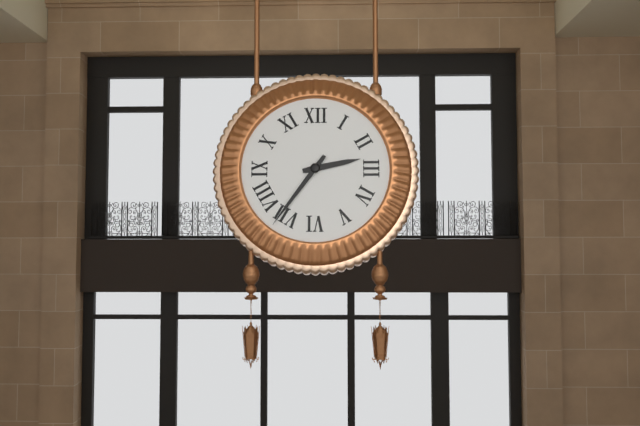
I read 2.36
